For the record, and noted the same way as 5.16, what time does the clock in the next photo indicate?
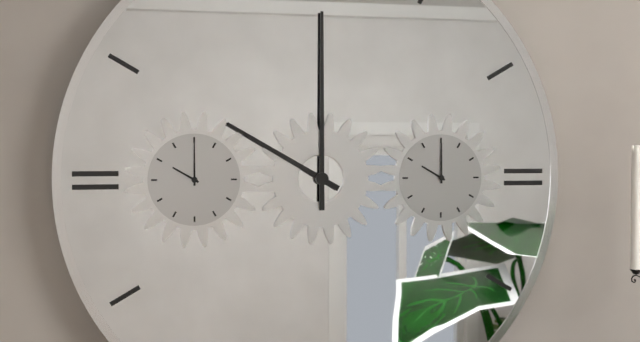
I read 10.00
